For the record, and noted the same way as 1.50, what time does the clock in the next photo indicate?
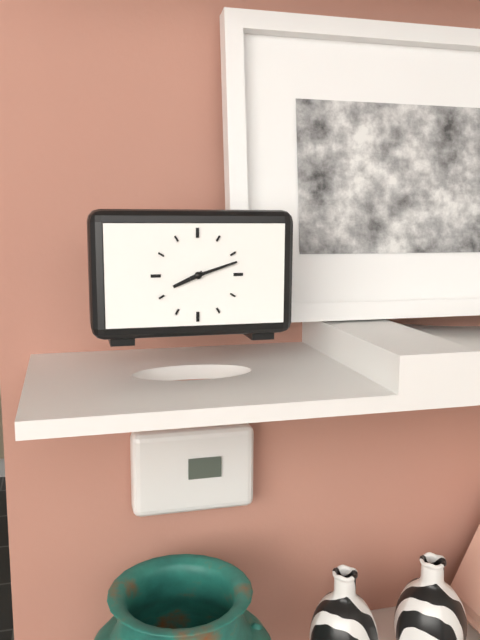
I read 8.12
